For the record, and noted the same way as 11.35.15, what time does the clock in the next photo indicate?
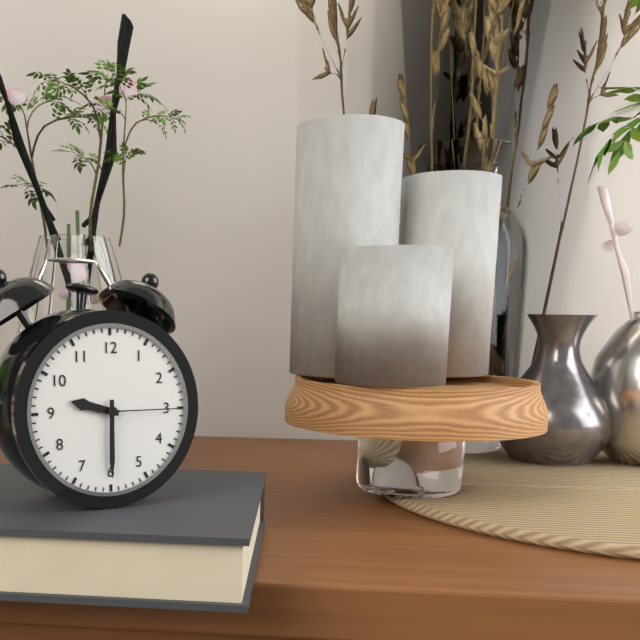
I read 9.30.15
